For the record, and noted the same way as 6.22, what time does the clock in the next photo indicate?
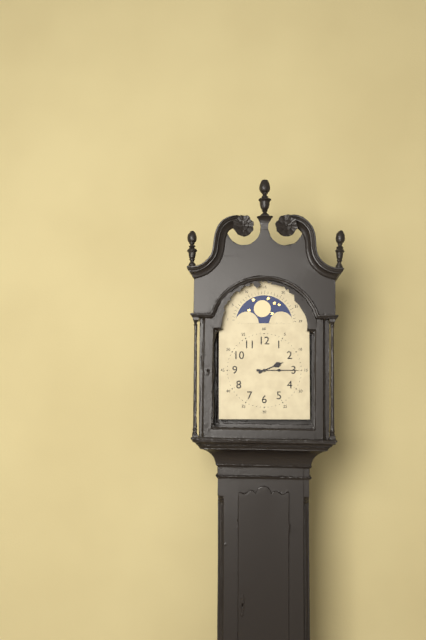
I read 2.15
